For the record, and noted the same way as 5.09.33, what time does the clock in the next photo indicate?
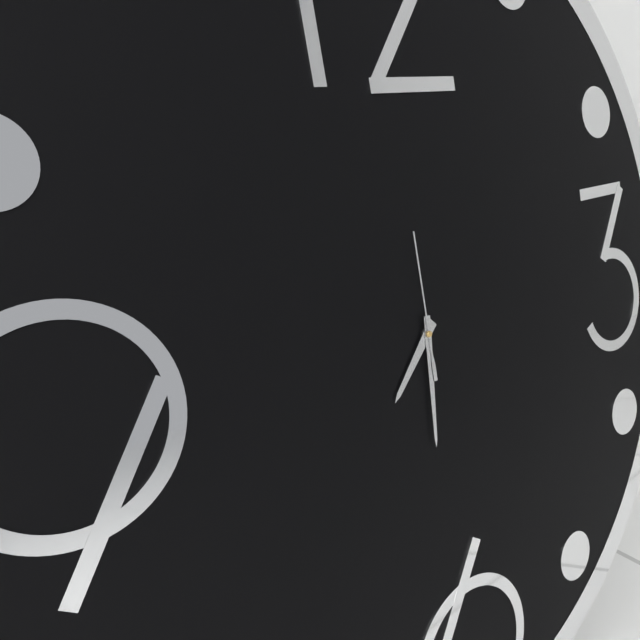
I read 7.31.00
